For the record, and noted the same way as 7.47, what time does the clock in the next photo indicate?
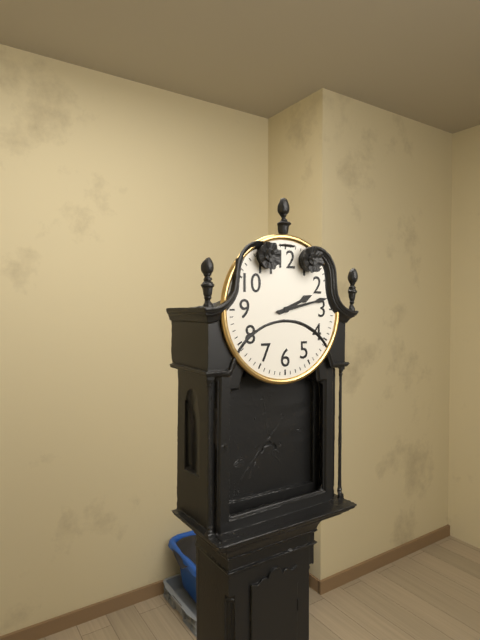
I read 2.13
